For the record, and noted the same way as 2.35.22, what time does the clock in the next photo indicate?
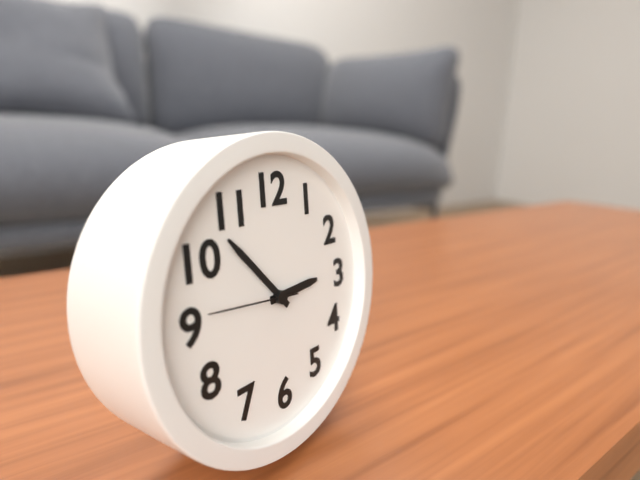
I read 2.53.46
